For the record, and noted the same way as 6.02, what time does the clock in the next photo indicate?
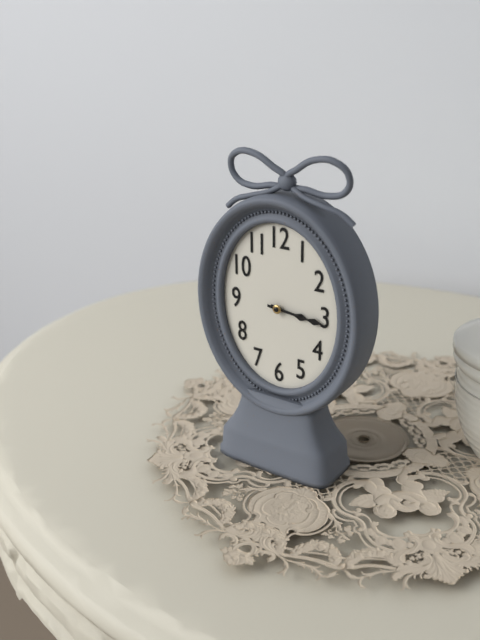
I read 3.16
